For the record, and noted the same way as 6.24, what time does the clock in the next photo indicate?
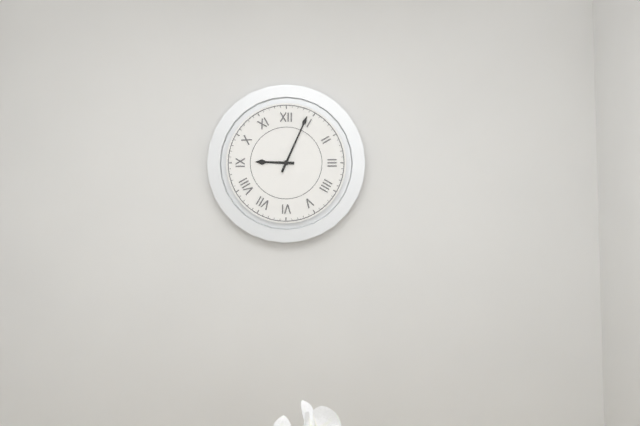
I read 9.04
